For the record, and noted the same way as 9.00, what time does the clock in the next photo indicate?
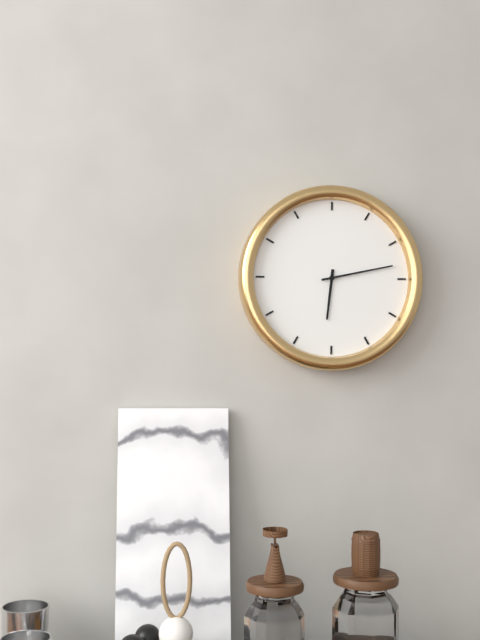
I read 6.13
